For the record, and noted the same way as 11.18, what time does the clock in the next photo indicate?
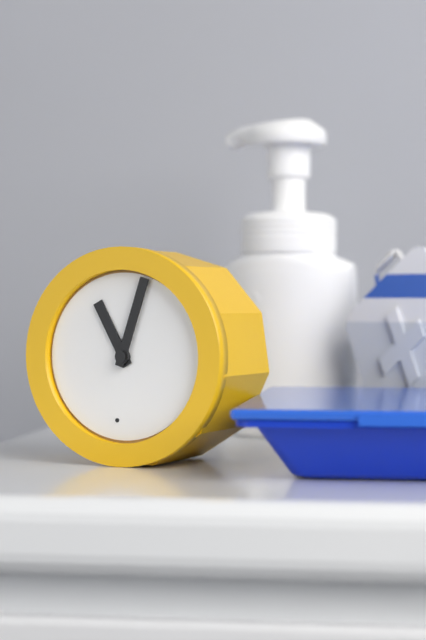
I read 11.03
